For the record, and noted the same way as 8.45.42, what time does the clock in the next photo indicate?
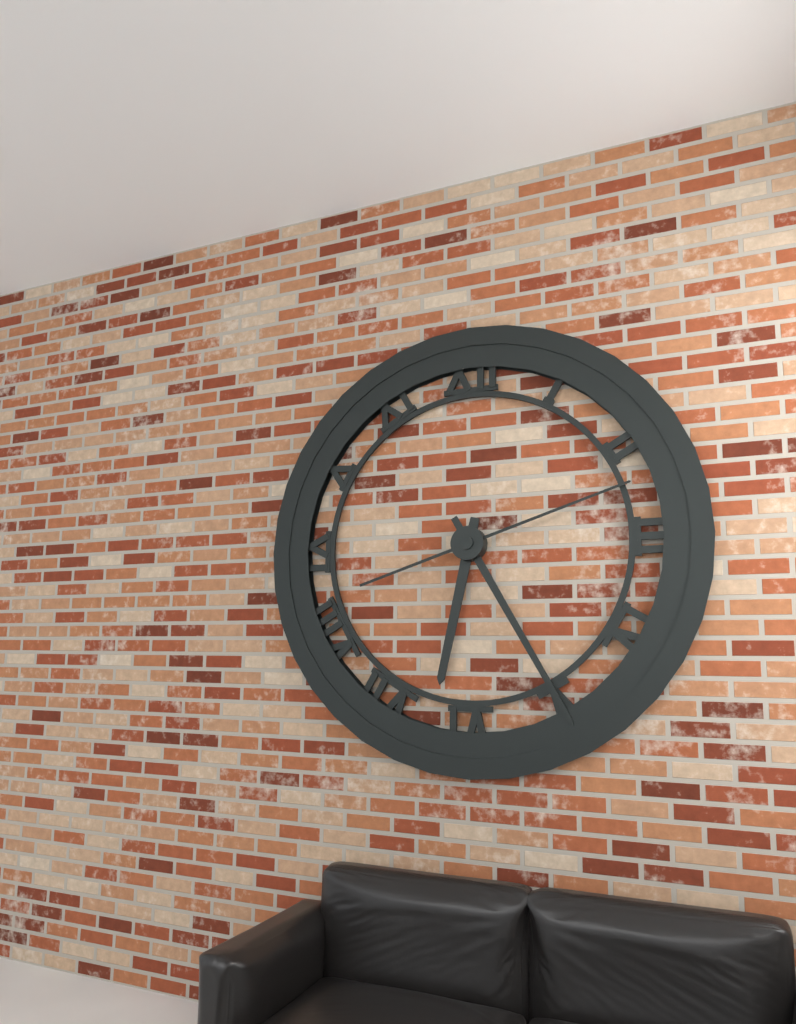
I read 6.25.12
